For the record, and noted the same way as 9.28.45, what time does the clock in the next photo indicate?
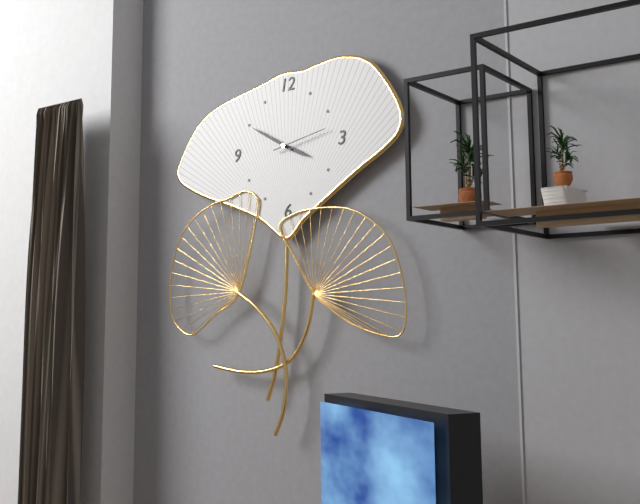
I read 3.50.13
